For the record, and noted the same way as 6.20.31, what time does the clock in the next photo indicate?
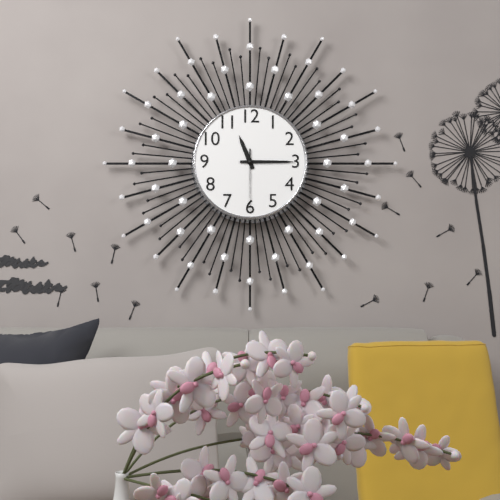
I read 11.15.30
